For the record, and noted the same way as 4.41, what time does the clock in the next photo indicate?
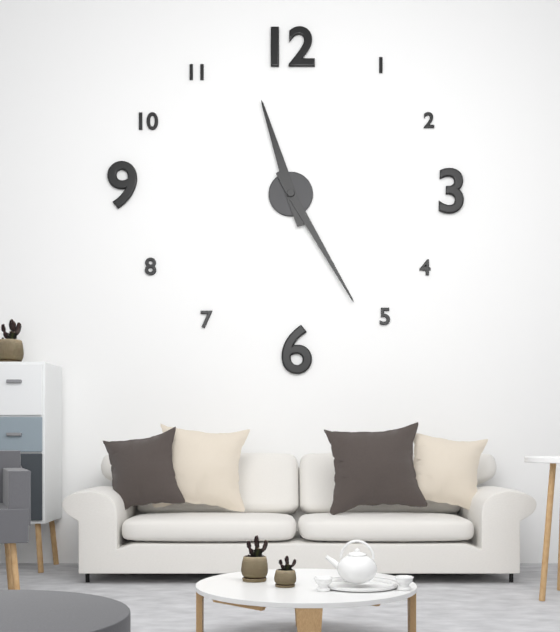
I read 11.25
